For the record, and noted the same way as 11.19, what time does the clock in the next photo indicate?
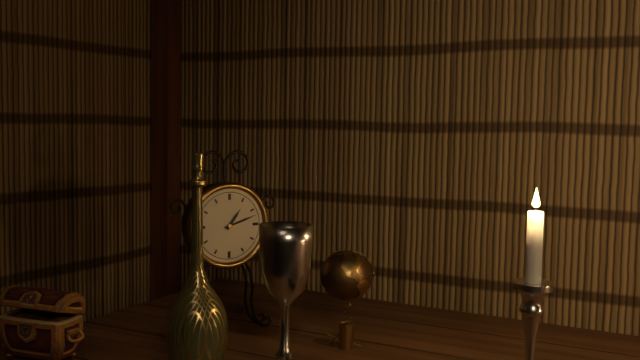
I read 1.12
